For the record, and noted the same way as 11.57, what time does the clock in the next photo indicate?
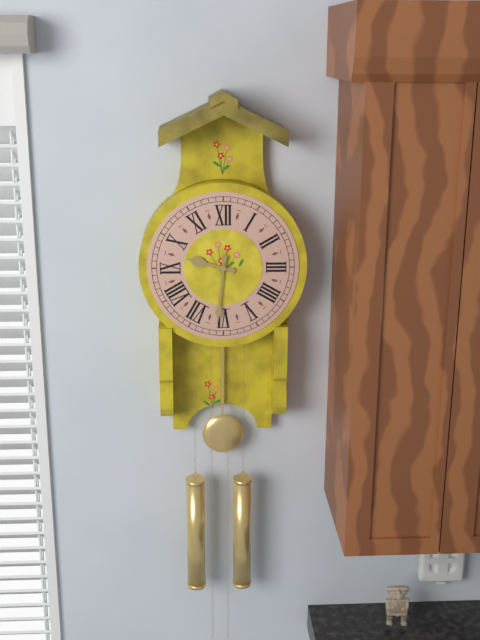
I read 9.31
